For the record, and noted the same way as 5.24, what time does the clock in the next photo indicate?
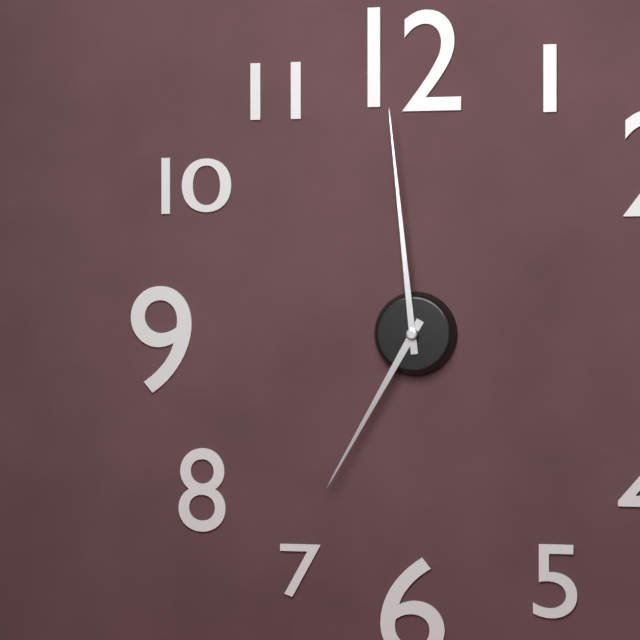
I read 6.59
